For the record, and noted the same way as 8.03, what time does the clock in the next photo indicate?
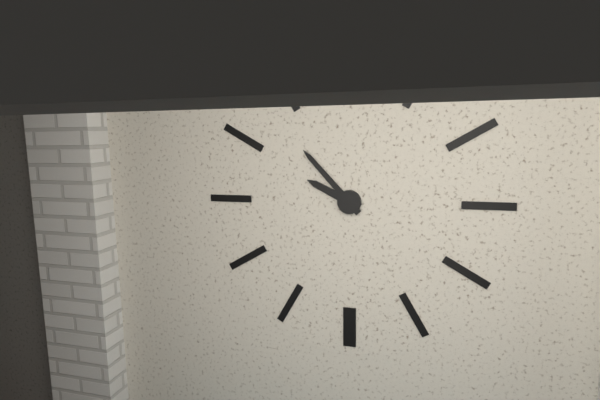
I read 9.53
